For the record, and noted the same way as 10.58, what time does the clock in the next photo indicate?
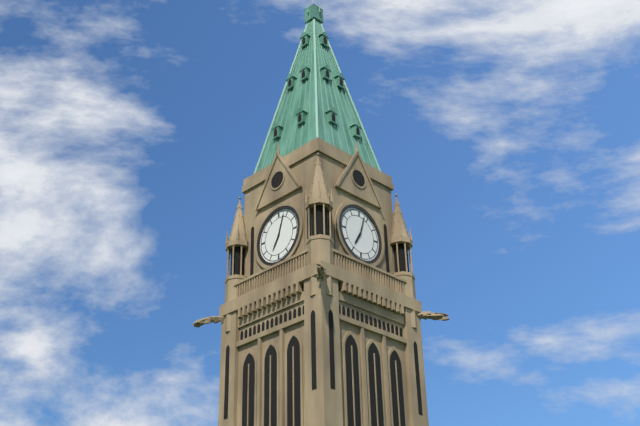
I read 7.03
